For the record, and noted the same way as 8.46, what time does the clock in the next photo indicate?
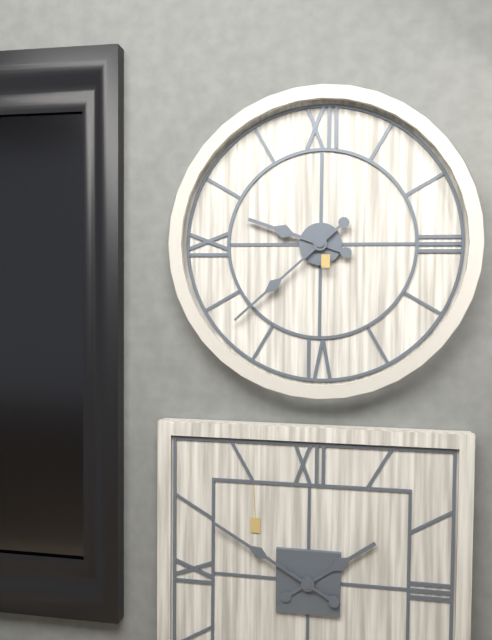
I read 9.38
